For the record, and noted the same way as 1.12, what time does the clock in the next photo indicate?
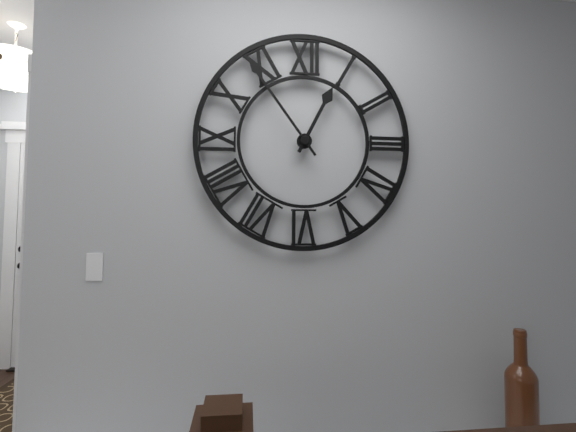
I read 12.54
